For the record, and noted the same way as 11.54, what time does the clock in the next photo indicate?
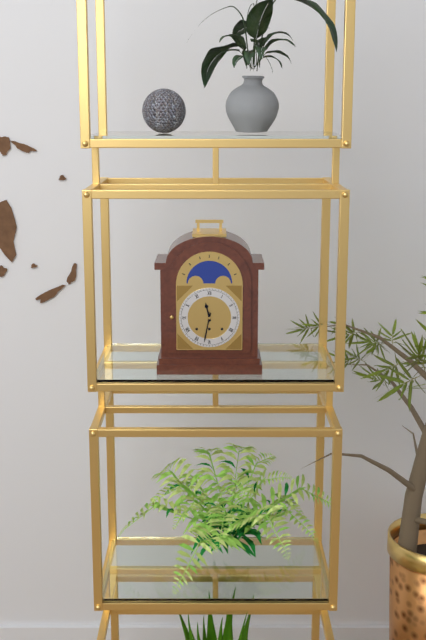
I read 11.32
